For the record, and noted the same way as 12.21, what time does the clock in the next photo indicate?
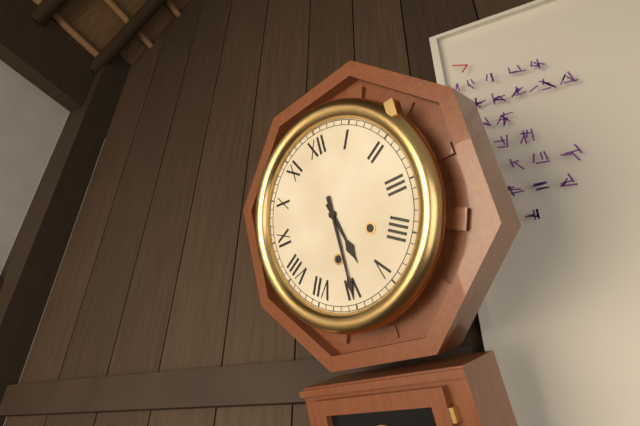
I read 5.30
